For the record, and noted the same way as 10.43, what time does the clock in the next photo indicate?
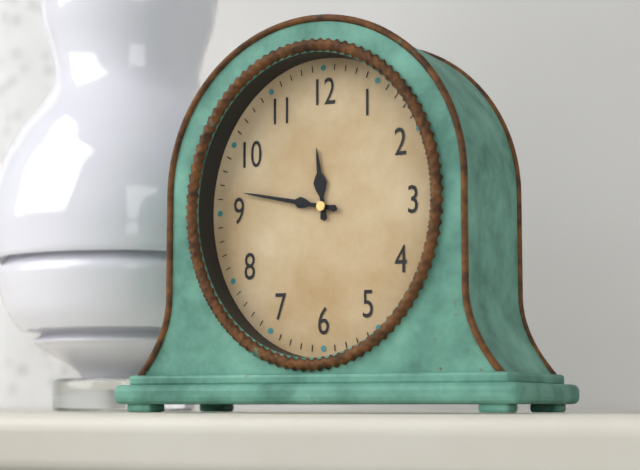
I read 11.47
